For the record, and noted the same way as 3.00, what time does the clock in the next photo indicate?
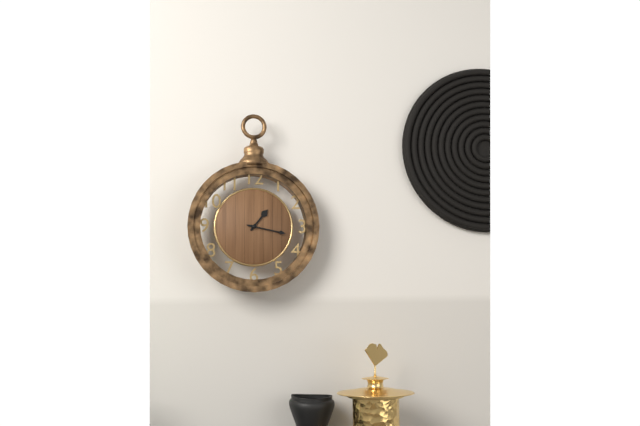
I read 1.17
